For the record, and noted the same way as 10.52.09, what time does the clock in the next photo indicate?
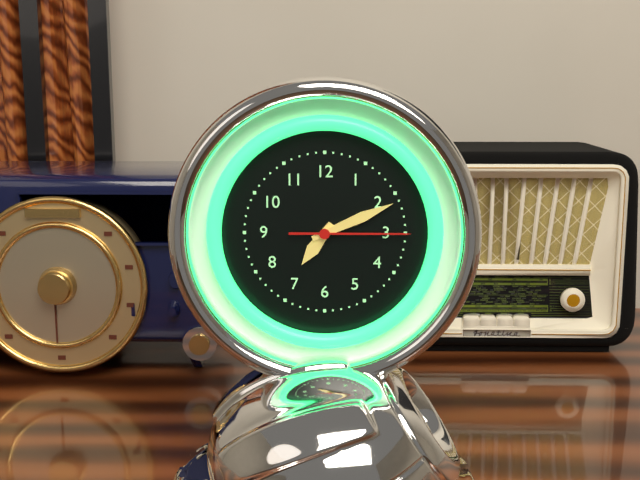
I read 7.11.15
